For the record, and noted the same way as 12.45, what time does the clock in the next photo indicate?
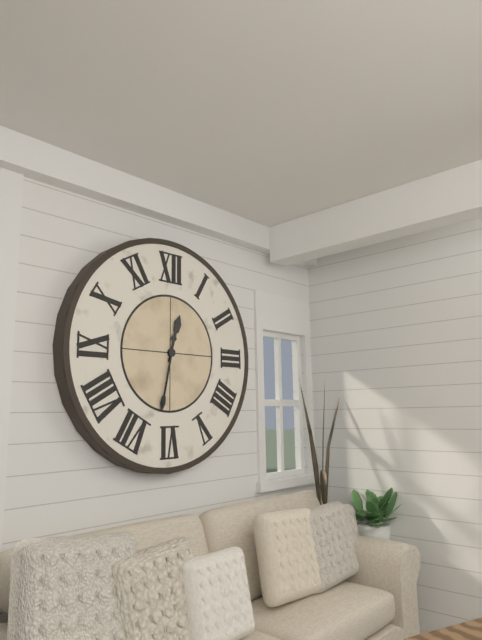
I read 12.32
